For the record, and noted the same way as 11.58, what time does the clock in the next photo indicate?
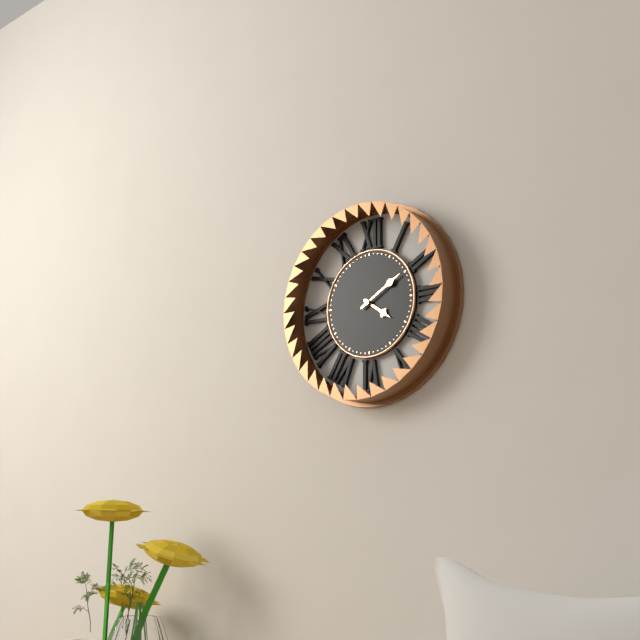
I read 4.10
